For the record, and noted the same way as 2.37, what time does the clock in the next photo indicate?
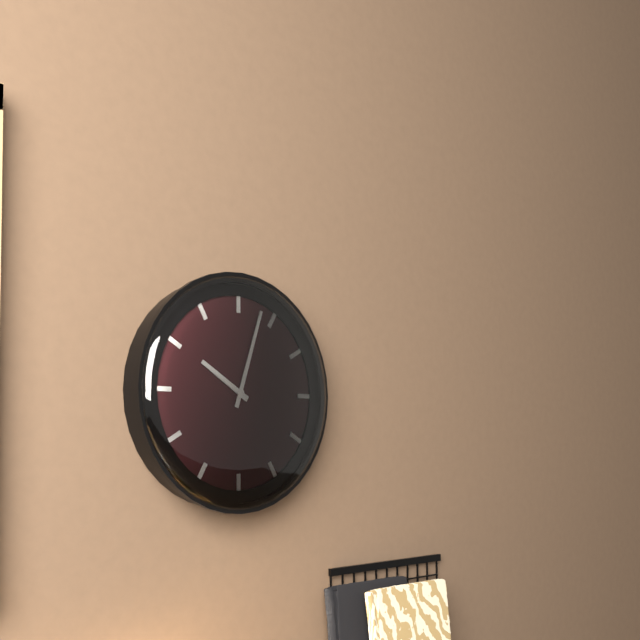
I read 10.03
